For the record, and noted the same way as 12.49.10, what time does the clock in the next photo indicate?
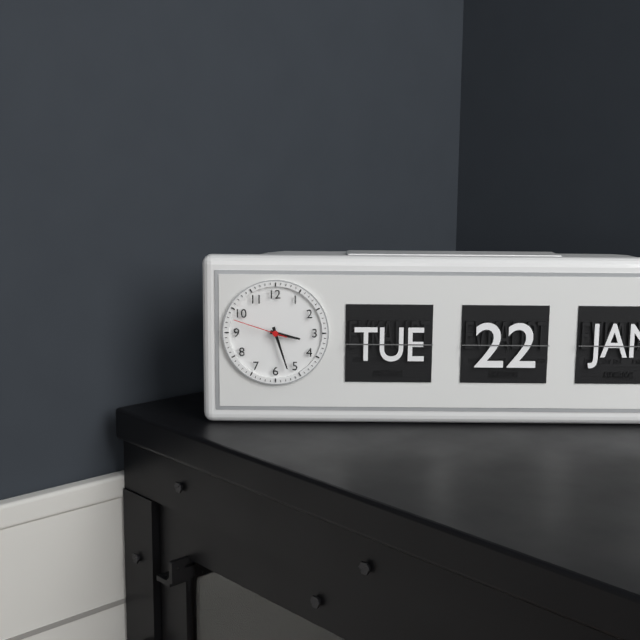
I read 3.27.48
